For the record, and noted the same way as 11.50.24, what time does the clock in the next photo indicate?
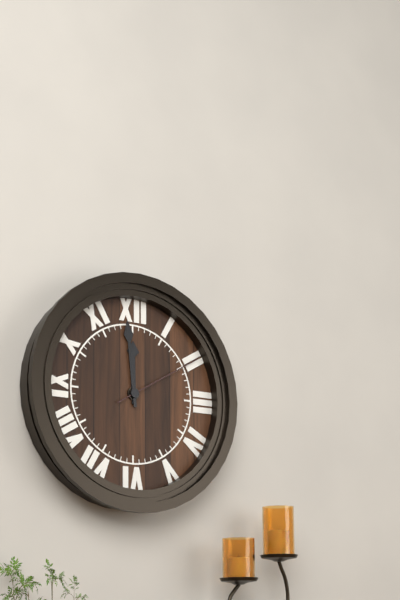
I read 11.59.10
